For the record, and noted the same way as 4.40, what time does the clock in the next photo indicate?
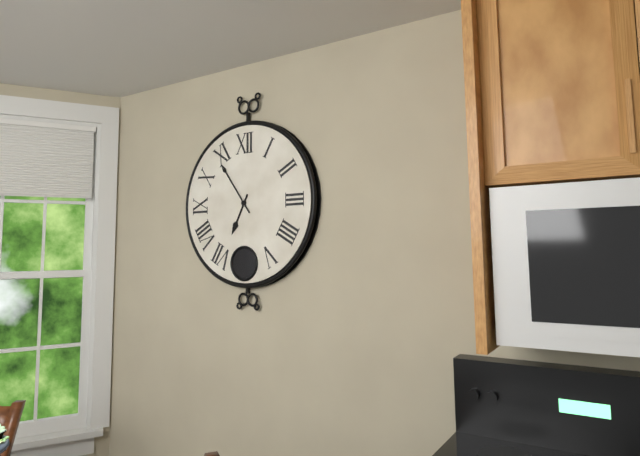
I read 6.54
